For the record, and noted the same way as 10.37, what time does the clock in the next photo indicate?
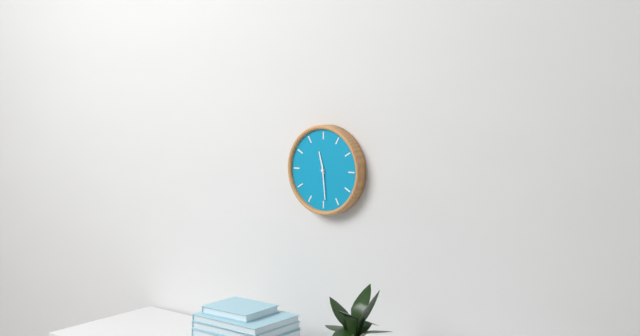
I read 11.29
